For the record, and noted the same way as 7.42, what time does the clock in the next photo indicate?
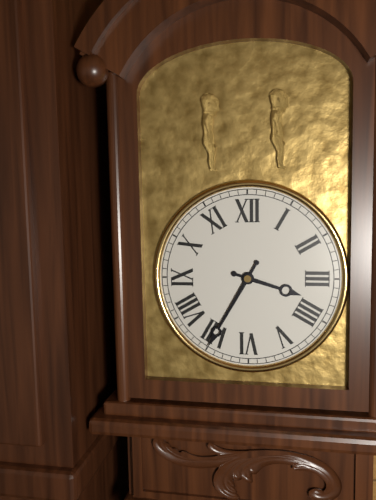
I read 3.35
